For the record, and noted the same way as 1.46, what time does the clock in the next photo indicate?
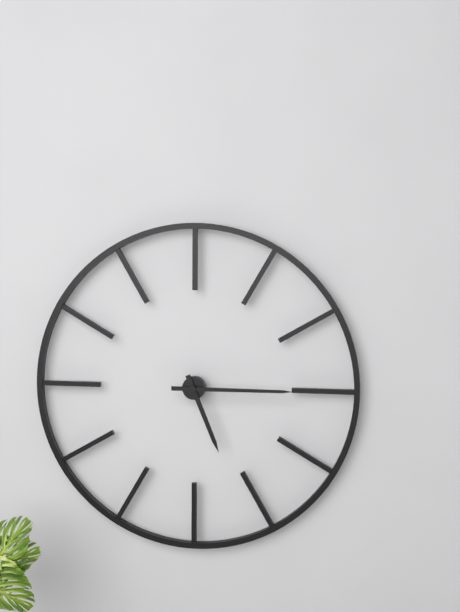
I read 5.15
